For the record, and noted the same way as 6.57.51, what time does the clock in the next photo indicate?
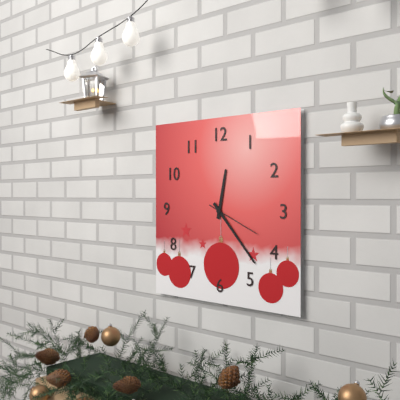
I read 12.23.19
